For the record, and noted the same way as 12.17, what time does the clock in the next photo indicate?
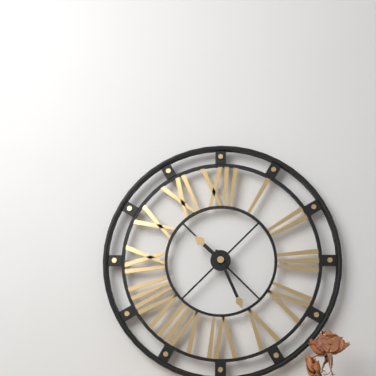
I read 10.26
